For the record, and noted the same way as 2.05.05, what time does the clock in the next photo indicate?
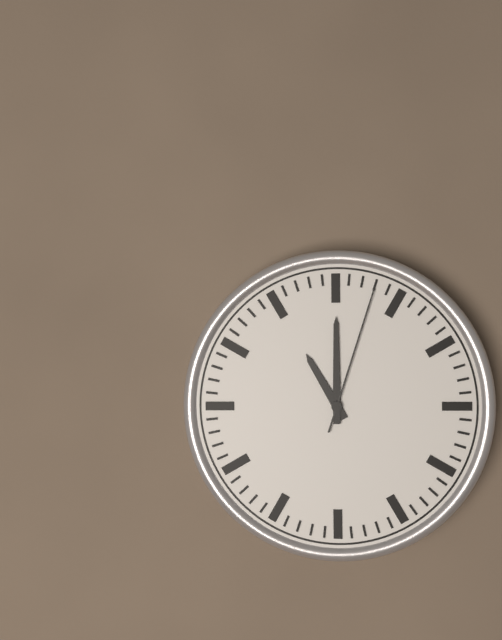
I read 11.00.03
